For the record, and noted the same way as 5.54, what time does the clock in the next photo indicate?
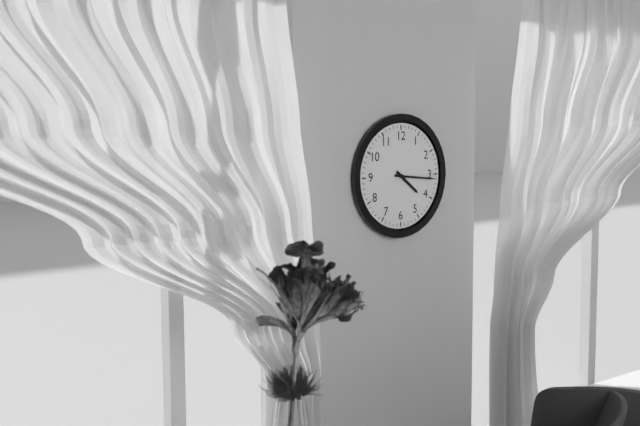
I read 4.16
